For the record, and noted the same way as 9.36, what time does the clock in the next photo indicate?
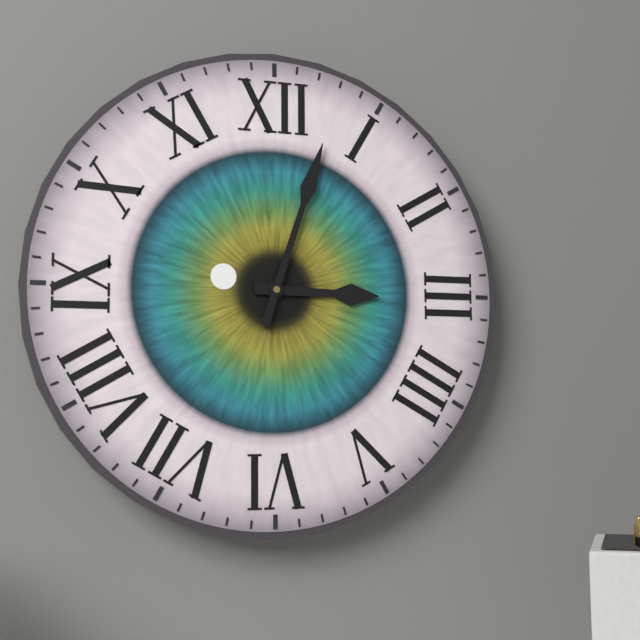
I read 3.03
